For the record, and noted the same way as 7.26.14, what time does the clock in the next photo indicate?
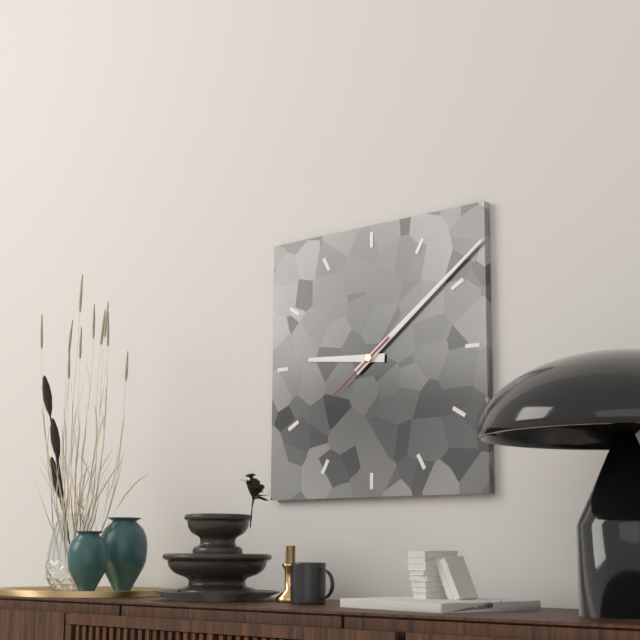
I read 9.09.39
